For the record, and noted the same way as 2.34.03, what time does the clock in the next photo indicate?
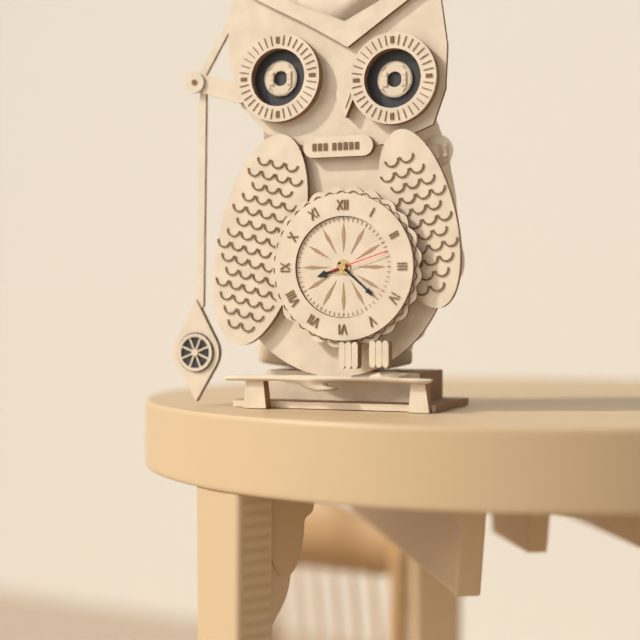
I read 8.22.12
